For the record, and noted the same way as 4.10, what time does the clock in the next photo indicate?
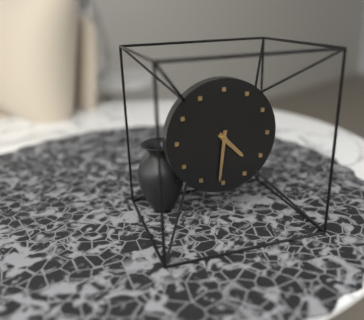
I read 4.31
